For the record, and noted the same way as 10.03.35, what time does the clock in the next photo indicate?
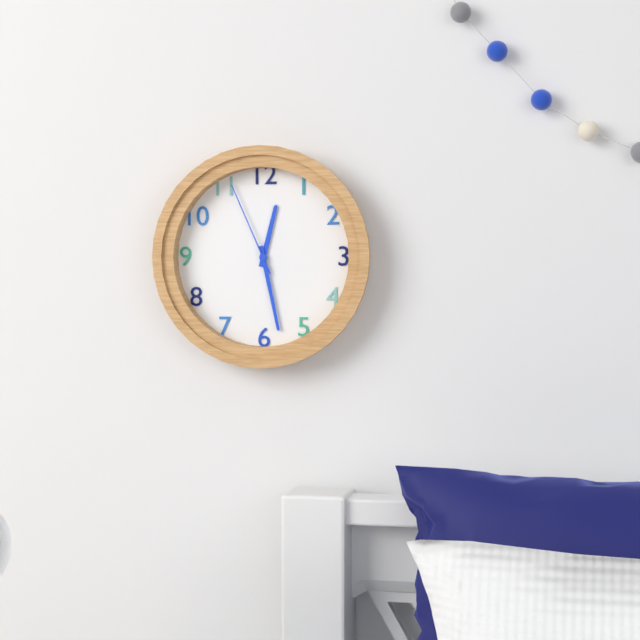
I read 12.28.56
